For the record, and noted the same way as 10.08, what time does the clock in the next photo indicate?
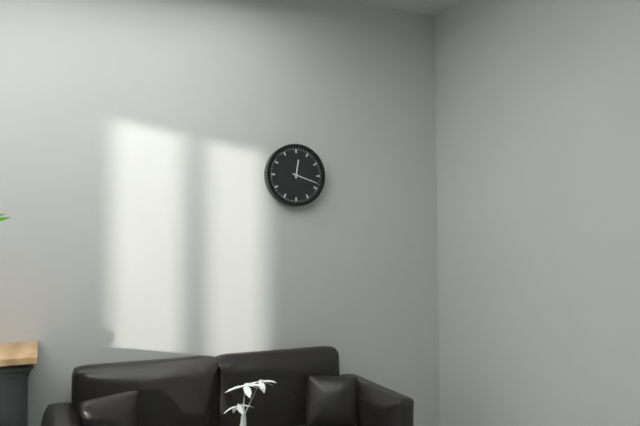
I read 12.18
